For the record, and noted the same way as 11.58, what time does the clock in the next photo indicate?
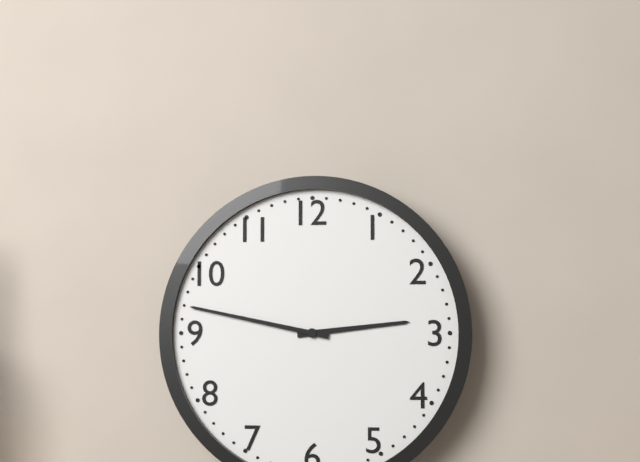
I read 2.47
